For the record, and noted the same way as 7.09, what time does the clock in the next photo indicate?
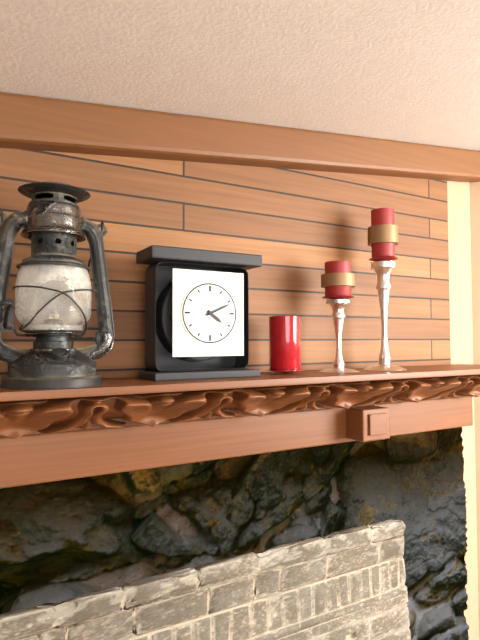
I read 4.11
